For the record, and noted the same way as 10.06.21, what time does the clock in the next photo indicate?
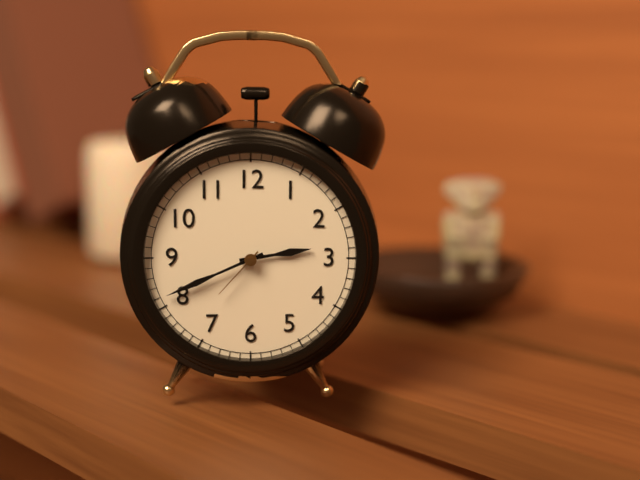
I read 2.41.37
